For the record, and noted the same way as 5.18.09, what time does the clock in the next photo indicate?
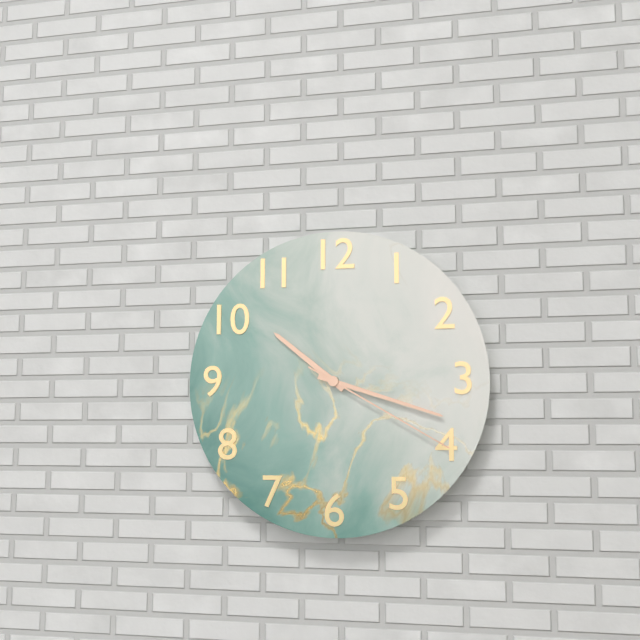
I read 10.18.20
